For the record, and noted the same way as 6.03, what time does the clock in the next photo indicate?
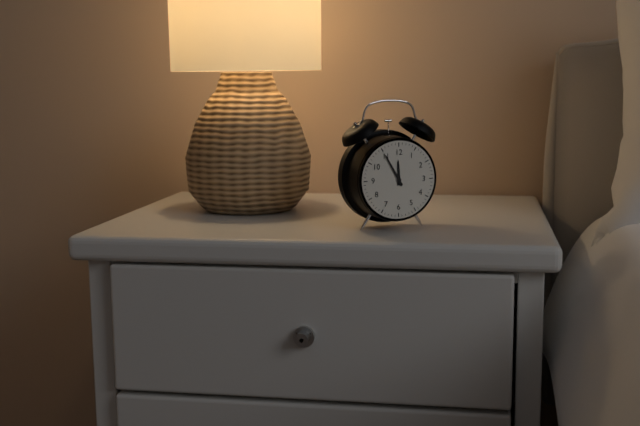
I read 11.55
